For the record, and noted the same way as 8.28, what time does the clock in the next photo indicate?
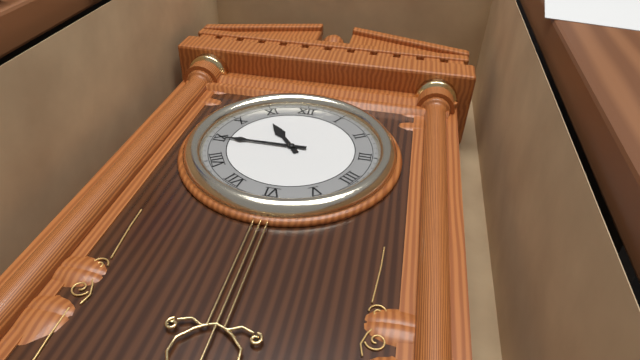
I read 10.45
